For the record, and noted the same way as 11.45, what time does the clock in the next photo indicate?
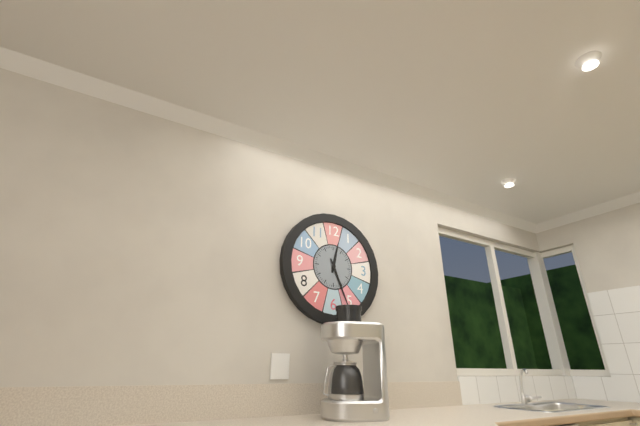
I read 12.26
